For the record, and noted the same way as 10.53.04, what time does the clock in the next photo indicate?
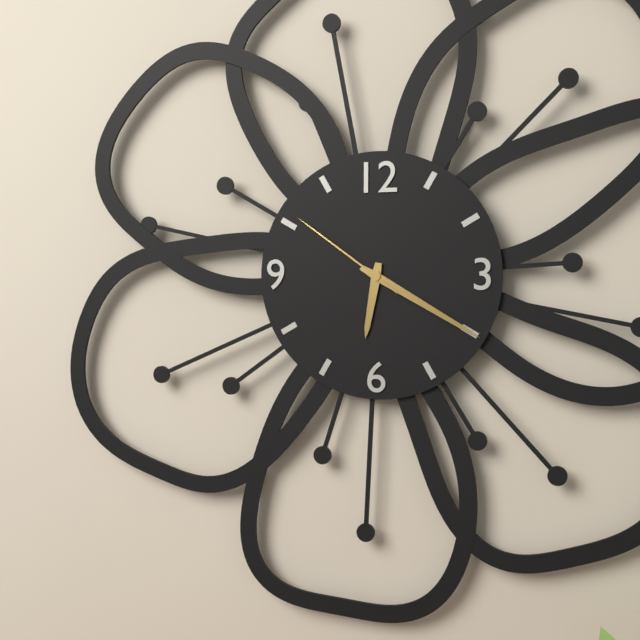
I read 6.20.51
